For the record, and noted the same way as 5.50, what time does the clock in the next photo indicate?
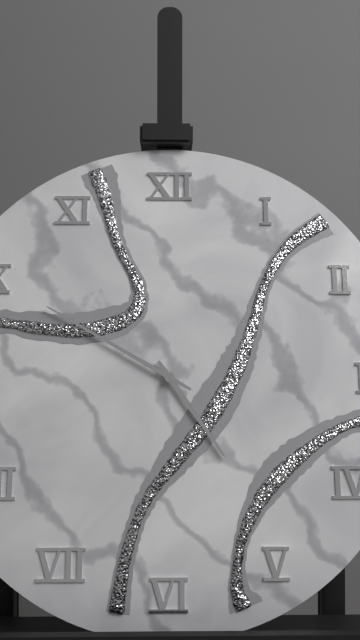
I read 4.50
